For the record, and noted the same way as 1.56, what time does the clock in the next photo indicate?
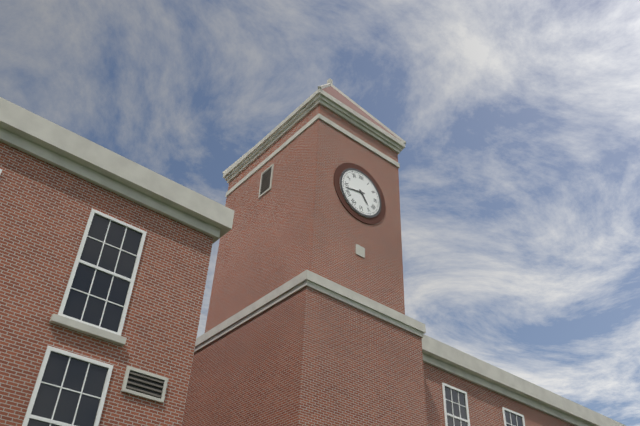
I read 4.43
